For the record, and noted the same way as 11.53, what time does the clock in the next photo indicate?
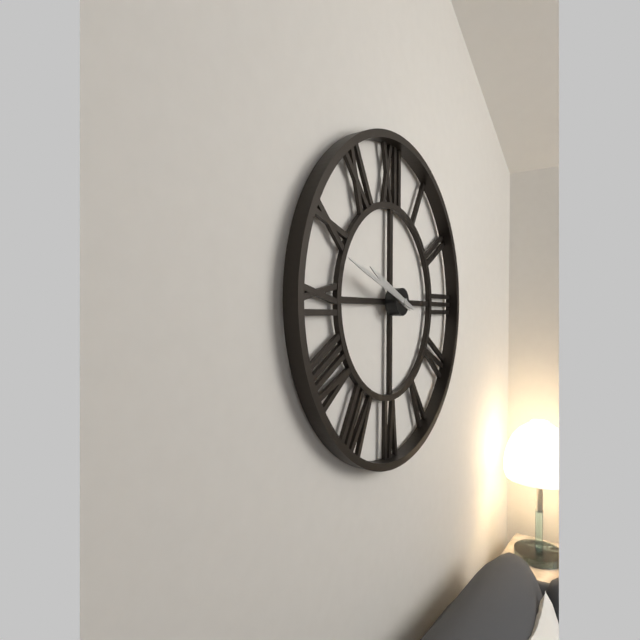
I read 9.48
